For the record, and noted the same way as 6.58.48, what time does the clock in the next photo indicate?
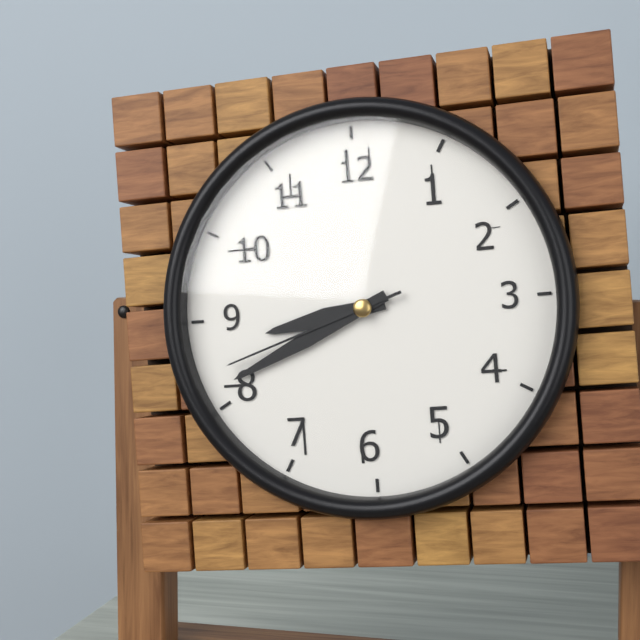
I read 8.41.42
